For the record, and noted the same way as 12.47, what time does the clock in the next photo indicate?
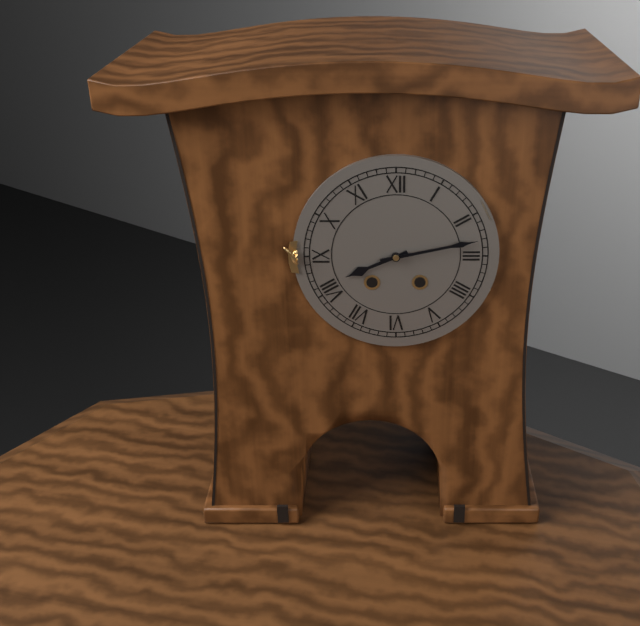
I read 8.13
